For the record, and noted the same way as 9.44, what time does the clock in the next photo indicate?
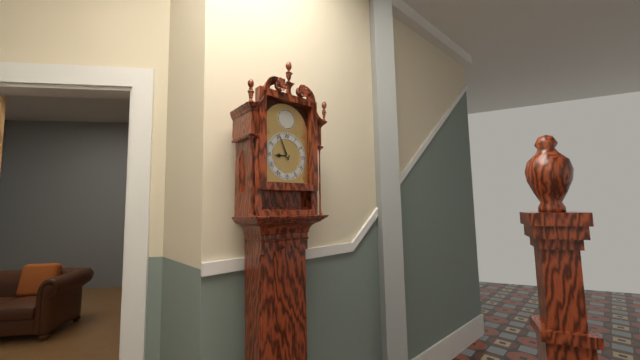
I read 8.56
